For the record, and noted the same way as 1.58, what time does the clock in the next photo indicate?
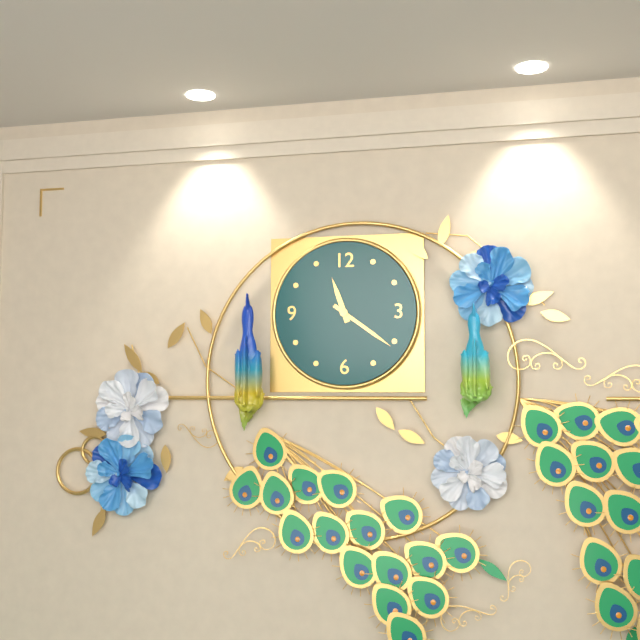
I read 11.21
